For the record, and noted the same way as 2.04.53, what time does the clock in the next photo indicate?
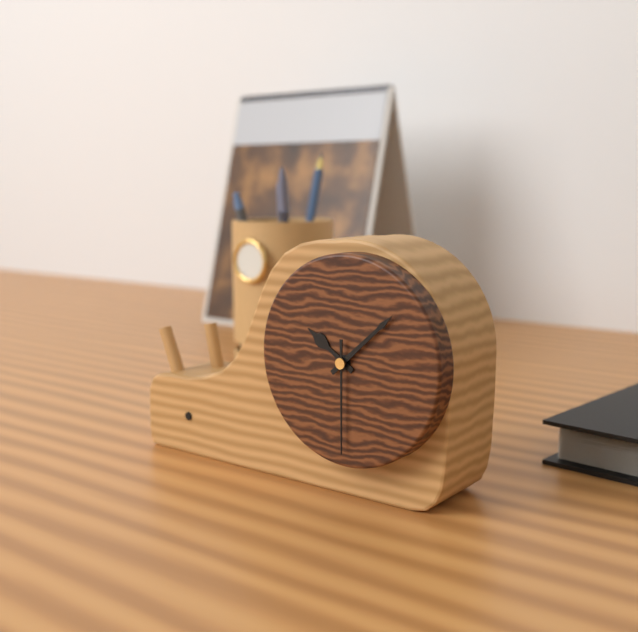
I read 10.08.30
